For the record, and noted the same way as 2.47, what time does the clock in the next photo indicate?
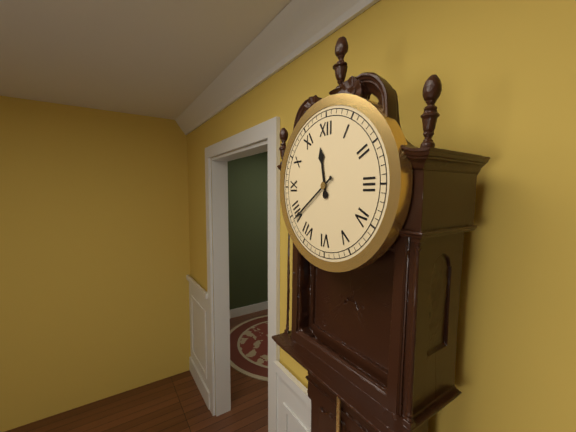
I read 11.39
